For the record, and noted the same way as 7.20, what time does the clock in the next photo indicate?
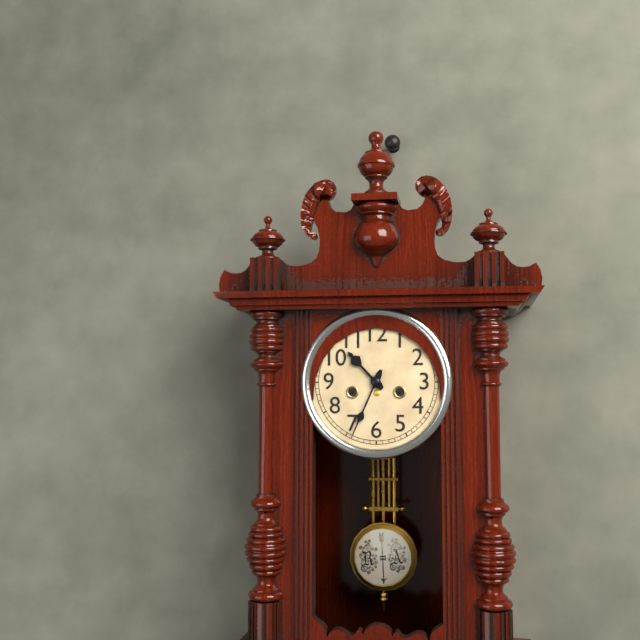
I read 10.34
